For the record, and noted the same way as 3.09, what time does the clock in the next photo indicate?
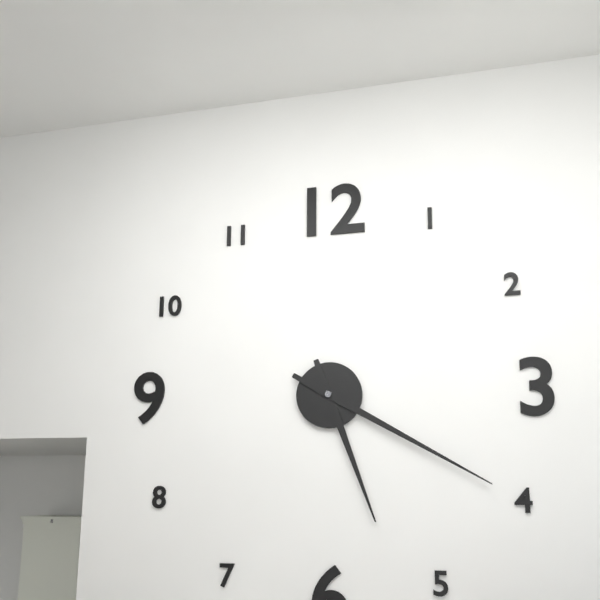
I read 5.20
